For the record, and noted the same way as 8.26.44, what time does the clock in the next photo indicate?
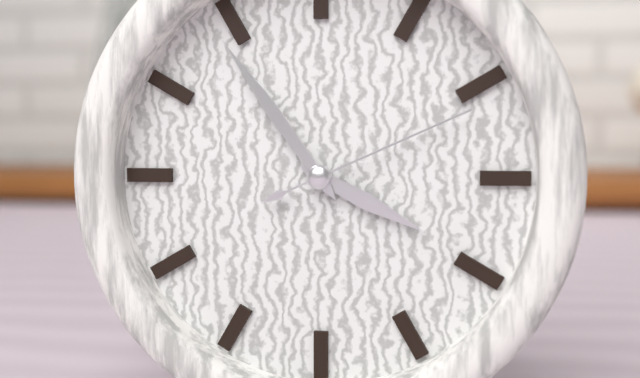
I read 3.54.11
